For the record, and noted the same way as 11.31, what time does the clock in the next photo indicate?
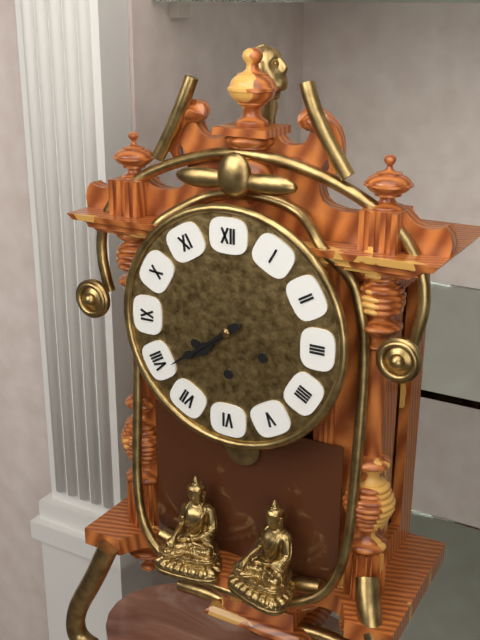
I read 7.39
